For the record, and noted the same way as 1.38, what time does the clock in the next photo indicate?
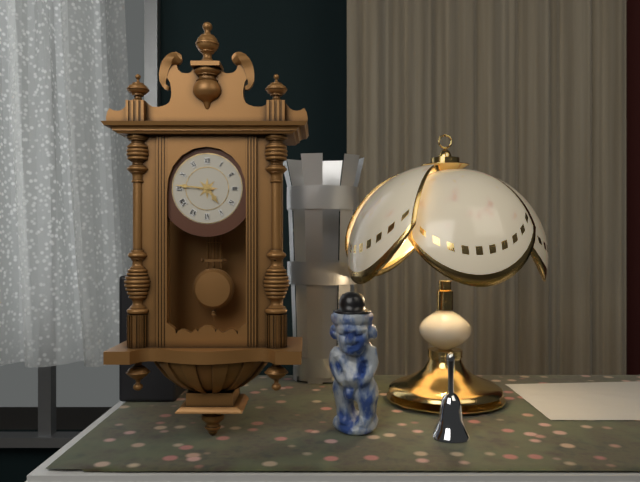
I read 4.46
